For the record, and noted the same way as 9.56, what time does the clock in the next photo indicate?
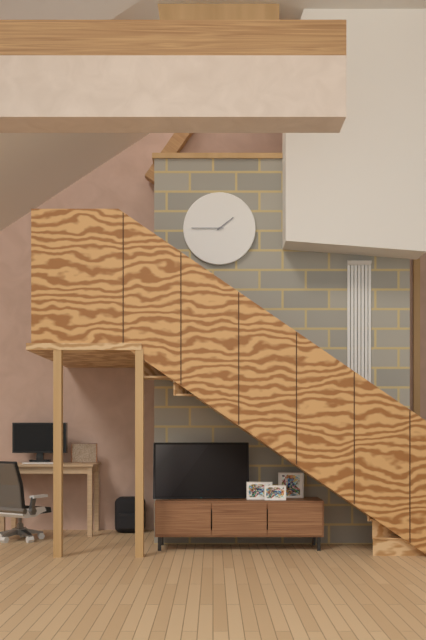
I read 1.45
